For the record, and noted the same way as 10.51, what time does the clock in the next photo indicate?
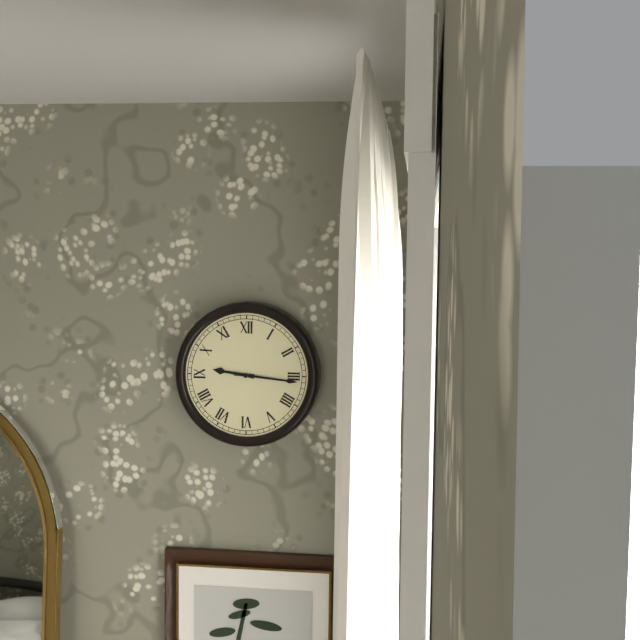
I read 9.16
